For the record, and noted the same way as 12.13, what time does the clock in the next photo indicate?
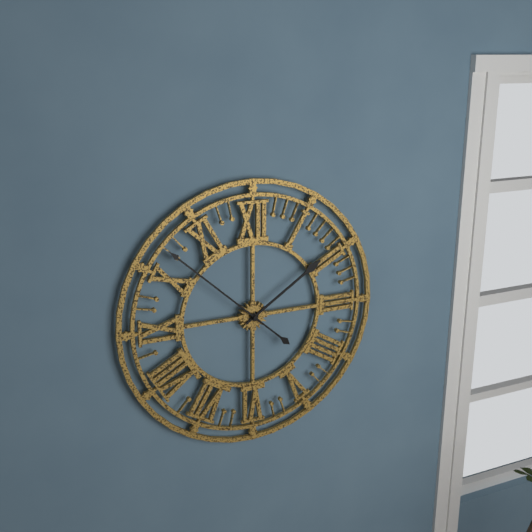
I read 1.52
